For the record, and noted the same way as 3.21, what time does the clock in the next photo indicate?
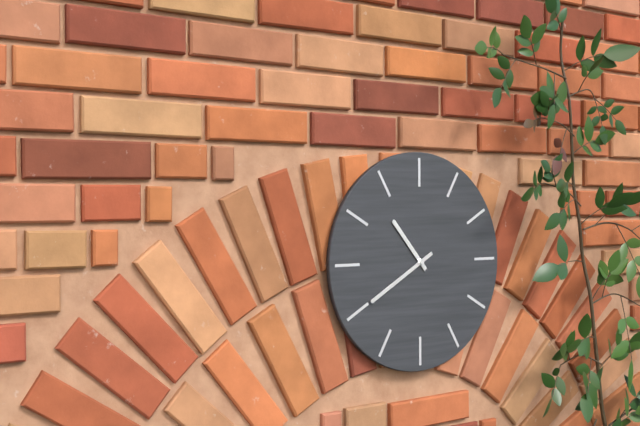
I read 10.40
